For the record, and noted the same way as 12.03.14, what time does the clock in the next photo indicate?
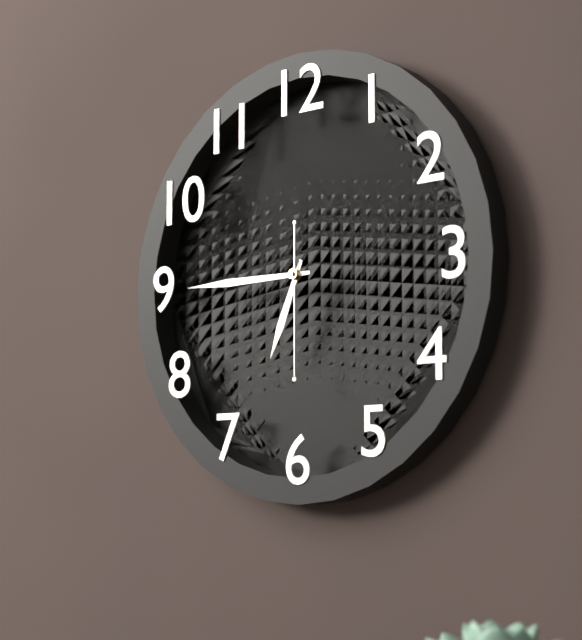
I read 6.45.30
